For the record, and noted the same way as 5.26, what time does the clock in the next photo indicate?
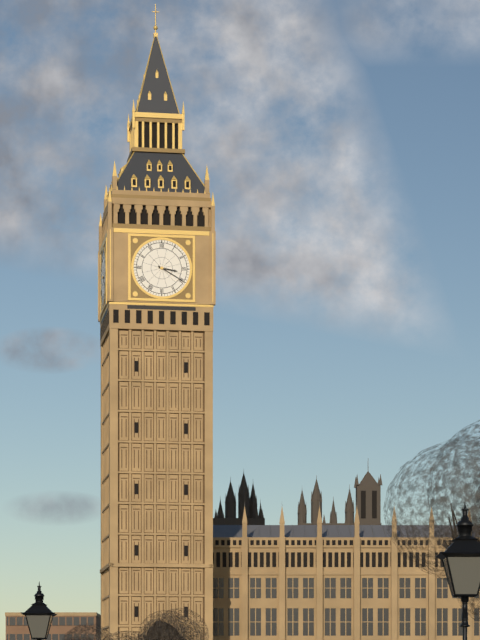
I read 3.20
